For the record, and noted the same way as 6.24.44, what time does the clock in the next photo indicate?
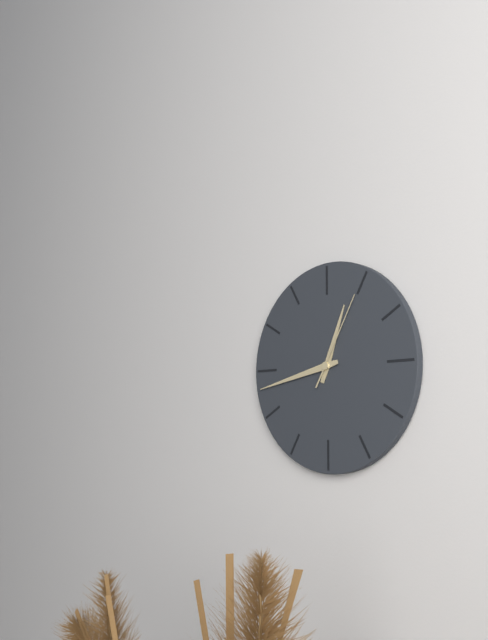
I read 12.43.05
